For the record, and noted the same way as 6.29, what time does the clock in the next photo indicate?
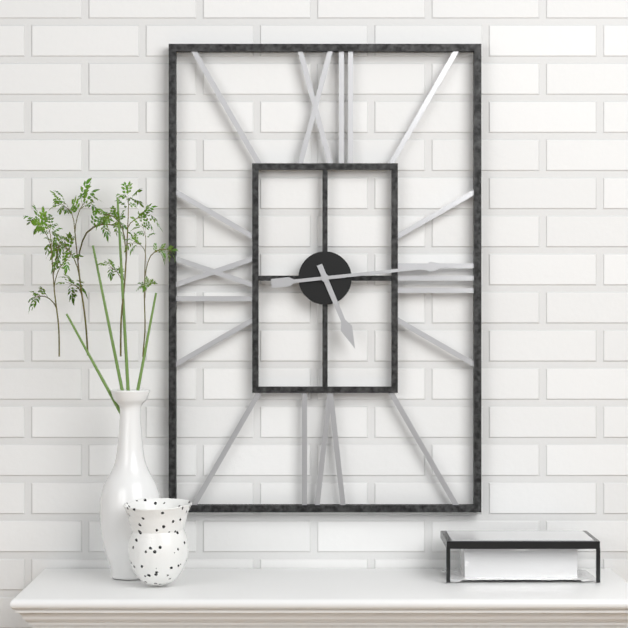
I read 5.14
